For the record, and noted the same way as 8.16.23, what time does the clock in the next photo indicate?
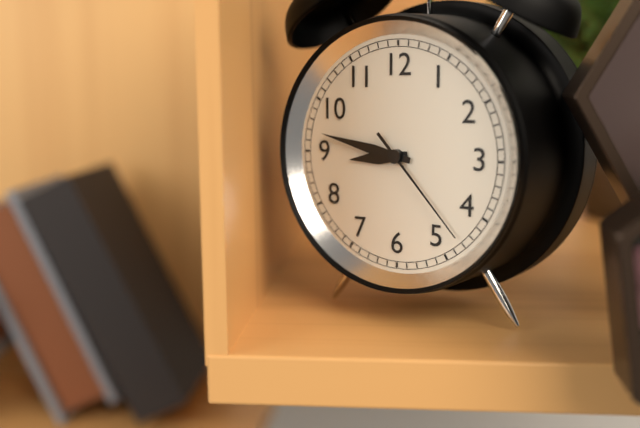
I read 8.47.23
